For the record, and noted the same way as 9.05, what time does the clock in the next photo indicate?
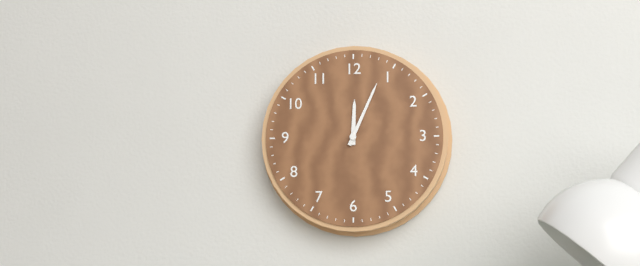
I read 12.04
